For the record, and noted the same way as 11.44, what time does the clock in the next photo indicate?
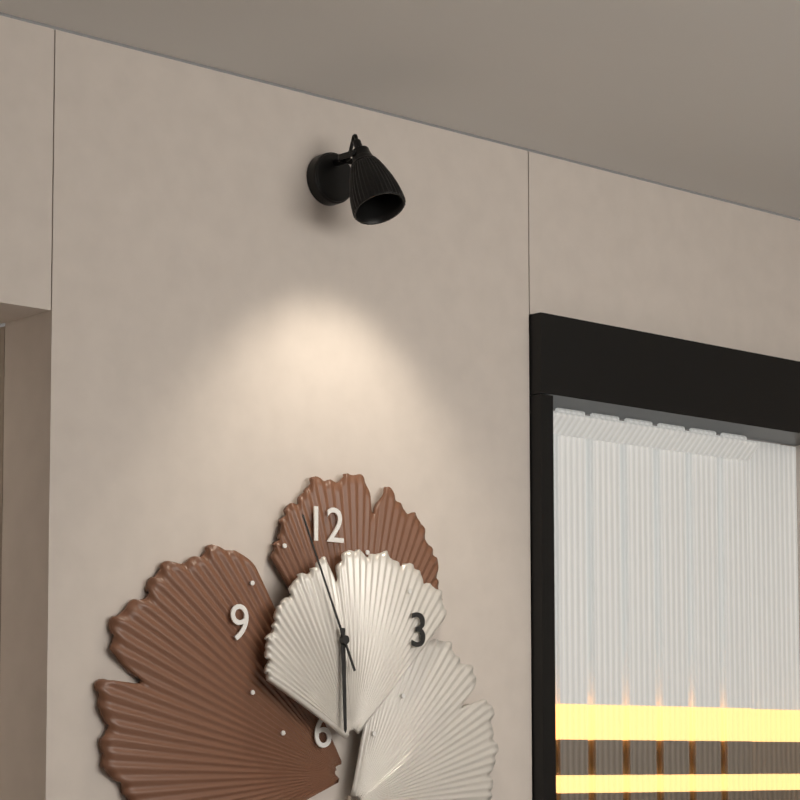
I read 5.56
